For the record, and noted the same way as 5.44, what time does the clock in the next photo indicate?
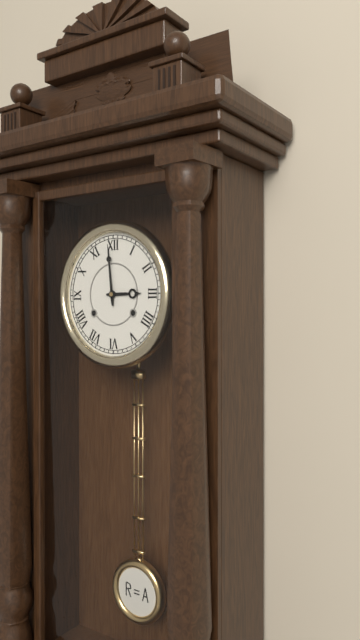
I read 2.59
